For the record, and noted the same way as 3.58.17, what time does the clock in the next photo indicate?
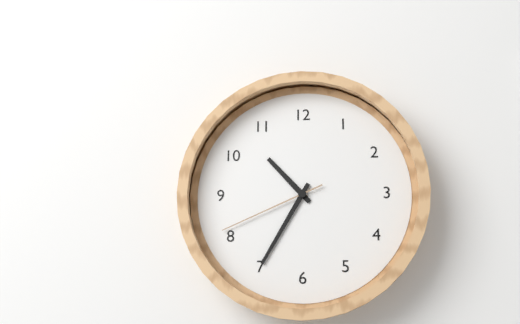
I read 10.35.41
